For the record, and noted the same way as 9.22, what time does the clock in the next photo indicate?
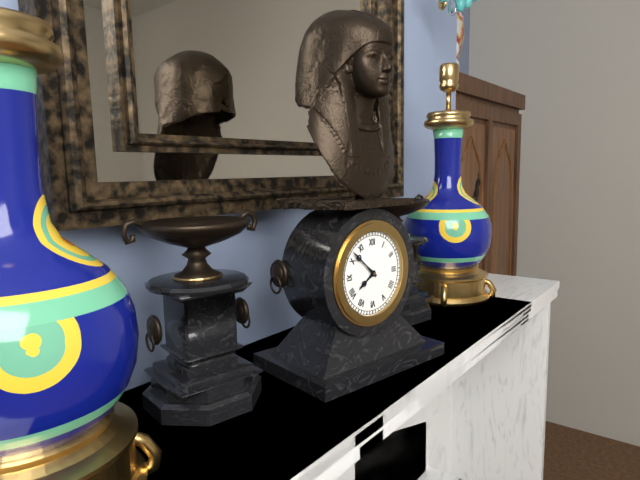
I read 7.52
